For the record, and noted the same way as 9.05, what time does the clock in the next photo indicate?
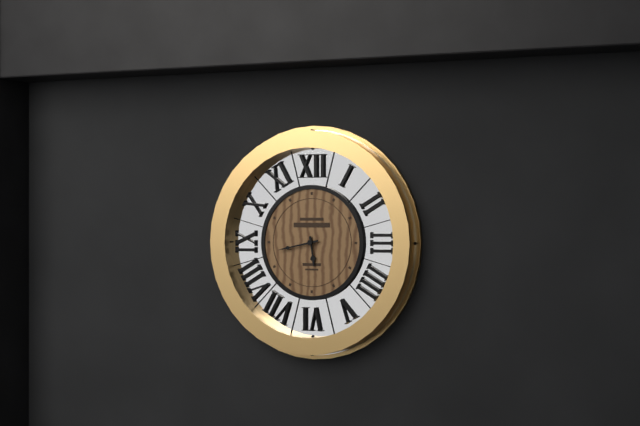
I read 5.43
